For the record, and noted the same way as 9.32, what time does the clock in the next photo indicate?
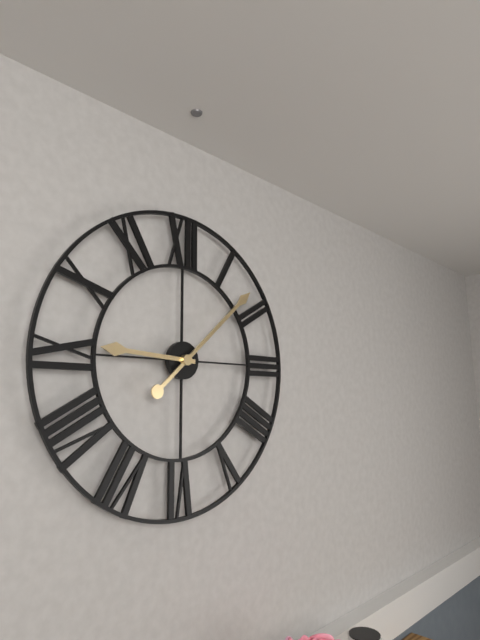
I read 9.08
